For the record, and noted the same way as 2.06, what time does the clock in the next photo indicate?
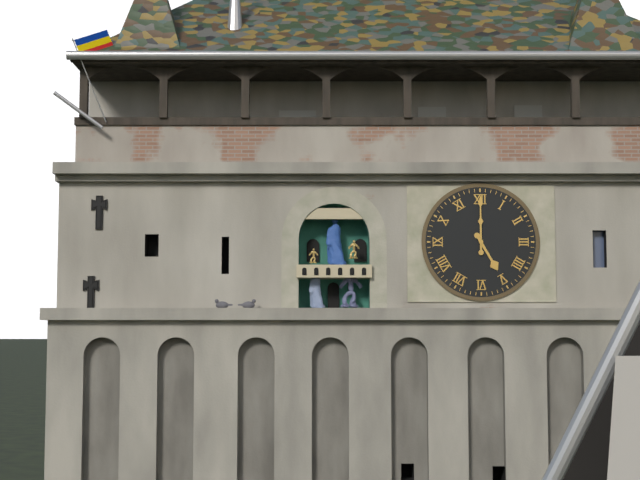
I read 5.00
